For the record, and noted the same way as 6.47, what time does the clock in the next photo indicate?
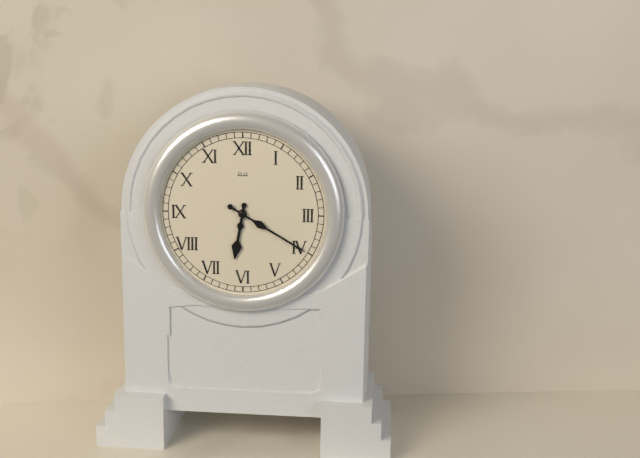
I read 6.20
